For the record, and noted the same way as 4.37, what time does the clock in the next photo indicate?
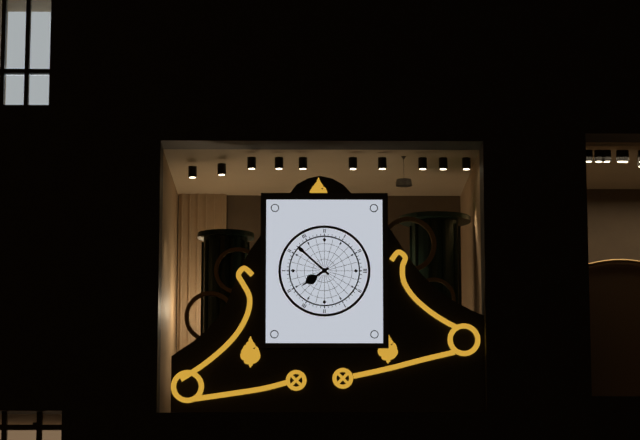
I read 7.52
